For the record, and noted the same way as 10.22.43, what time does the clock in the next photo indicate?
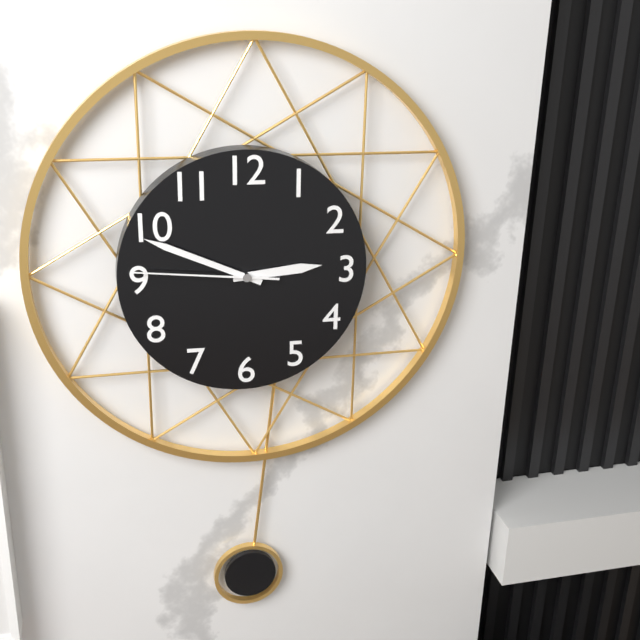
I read 2.49.46
